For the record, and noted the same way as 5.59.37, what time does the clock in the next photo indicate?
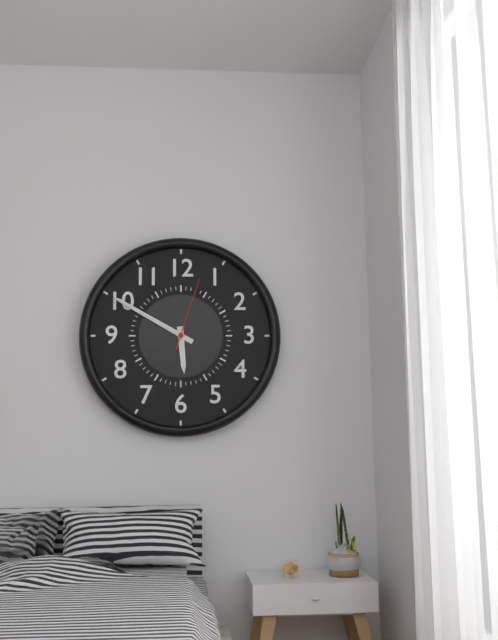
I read 5.50.03
